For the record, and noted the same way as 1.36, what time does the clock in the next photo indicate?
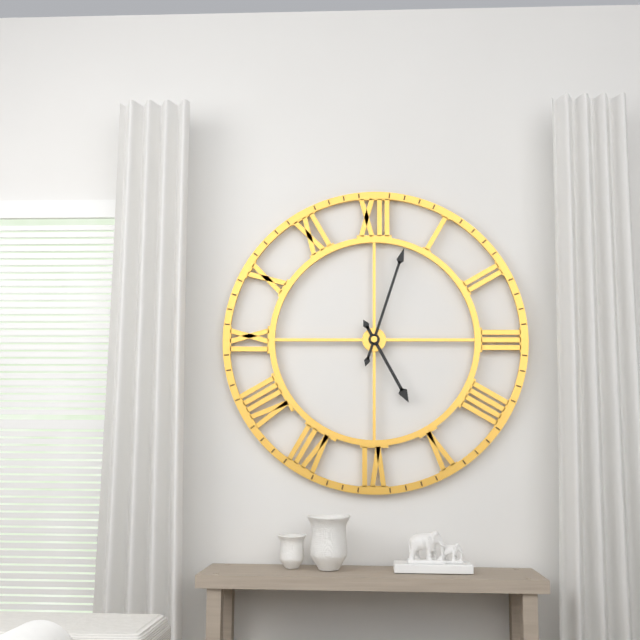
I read 5.03
